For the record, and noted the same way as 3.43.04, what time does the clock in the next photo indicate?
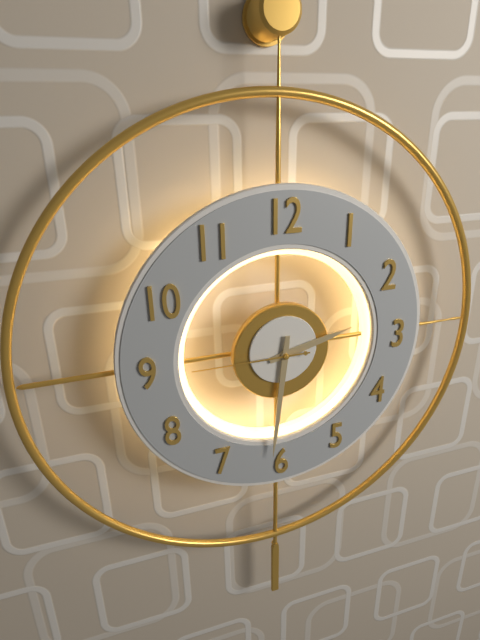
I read 2.31.45
